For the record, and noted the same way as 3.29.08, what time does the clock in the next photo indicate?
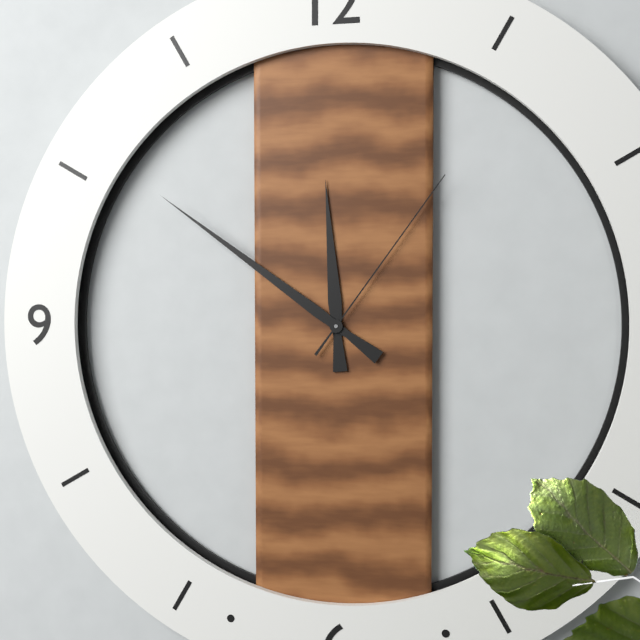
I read 11.51.06
